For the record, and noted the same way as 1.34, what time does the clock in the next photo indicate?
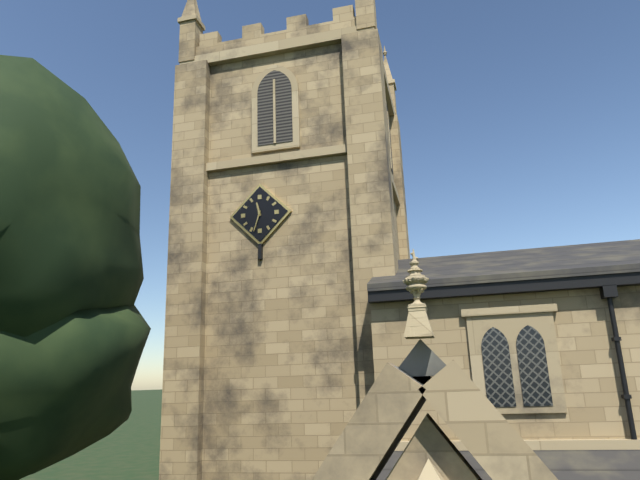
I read 11.33
